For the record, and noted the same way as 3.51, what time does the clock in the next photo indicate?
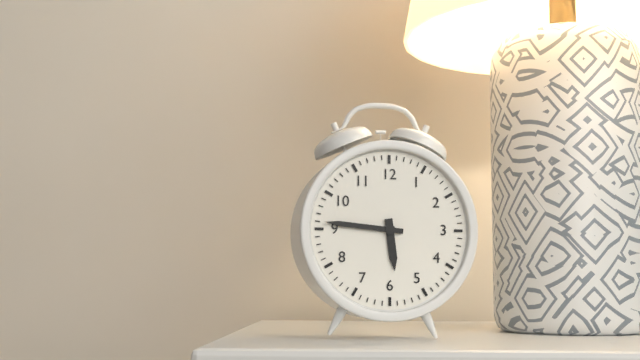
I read 5.46
